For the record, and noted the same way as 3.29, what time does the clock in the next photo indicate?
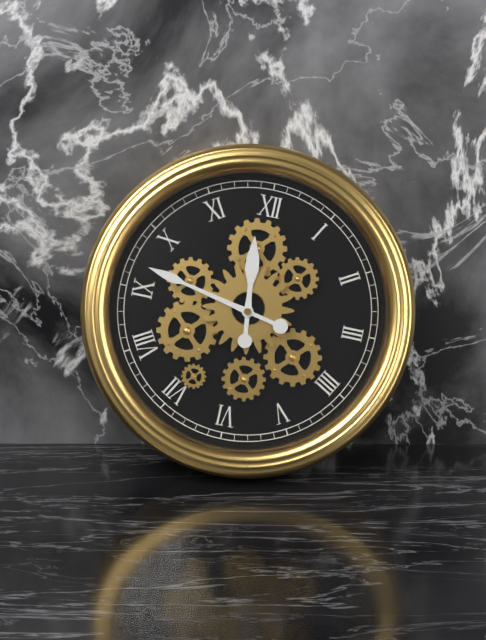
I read 11.47
